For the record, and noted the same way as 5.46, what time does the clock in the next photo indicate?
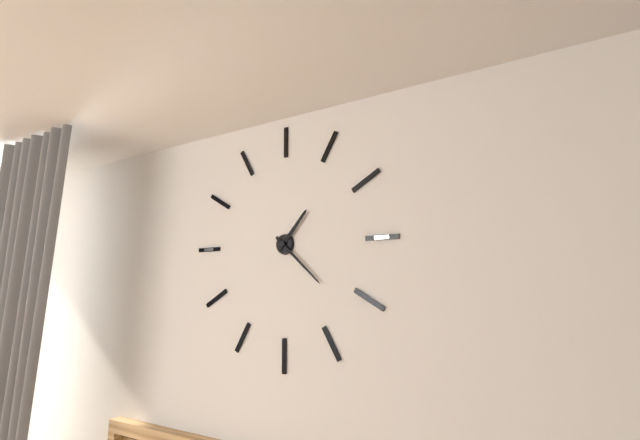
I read 1.22
